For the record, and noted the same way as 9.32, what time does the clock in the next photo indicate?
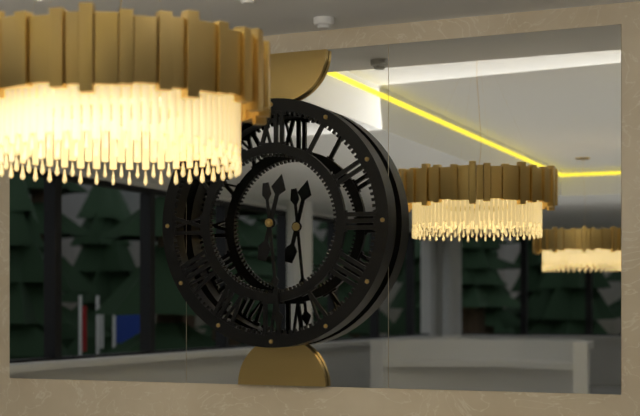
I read 12.29
